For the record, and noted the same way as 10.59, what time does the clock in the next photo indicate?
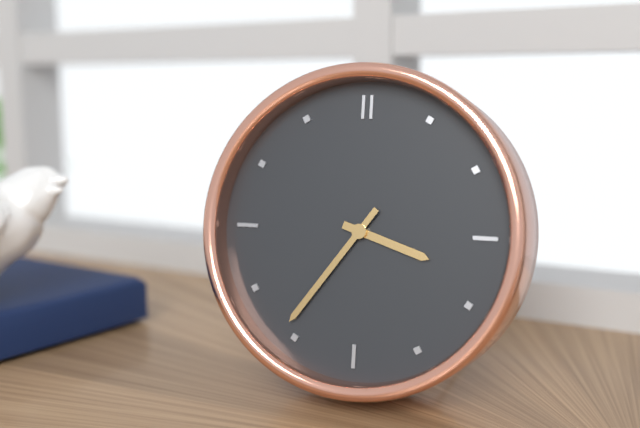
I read 3.36
